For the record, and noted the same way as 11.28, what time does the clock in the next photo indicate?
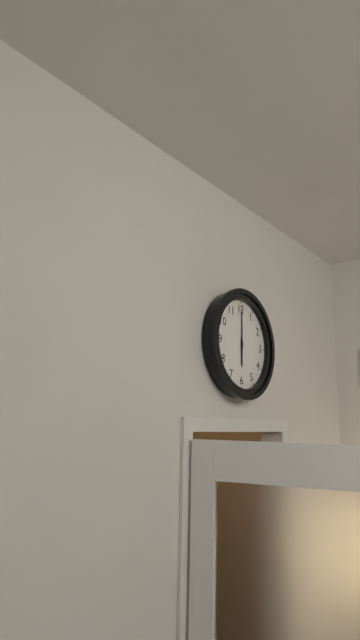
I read 6.00
